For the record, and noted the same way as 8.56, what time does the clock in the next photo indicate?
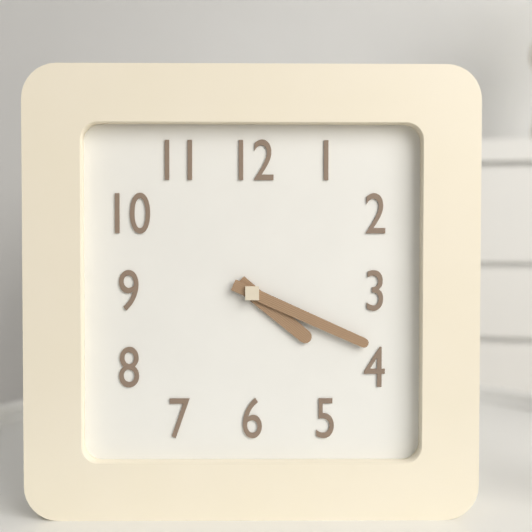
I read 4.19
